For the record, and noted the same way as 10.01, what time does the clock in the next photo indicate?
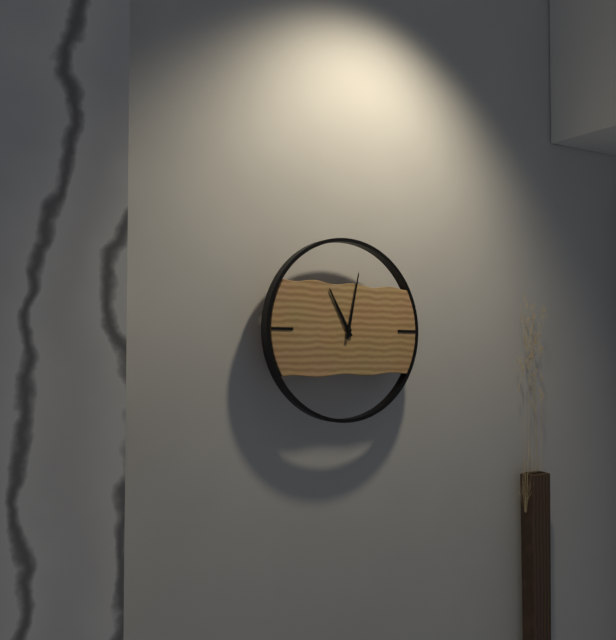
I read 11.02
